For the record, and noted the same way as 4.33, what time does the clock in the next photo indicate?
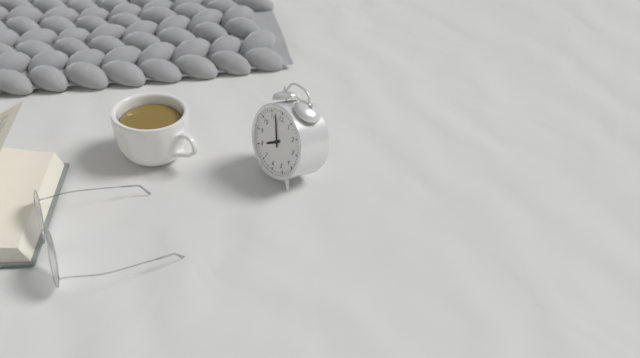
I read 7.57
